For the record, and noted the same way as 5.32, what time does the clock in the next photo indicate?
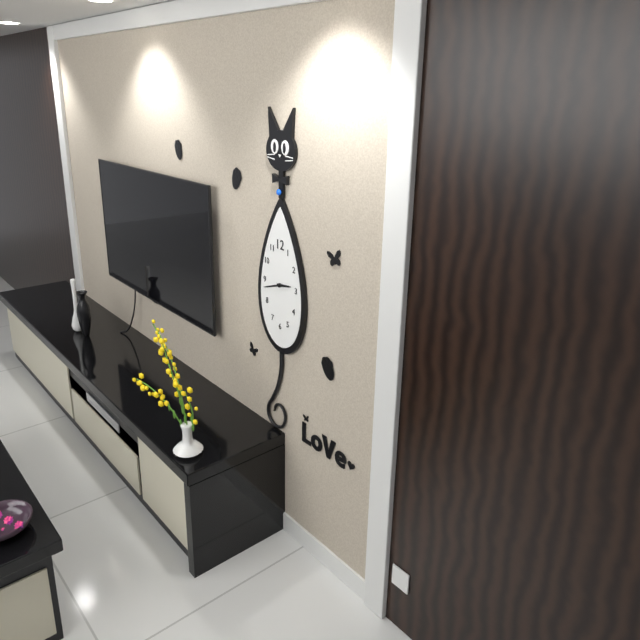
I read 2.42
